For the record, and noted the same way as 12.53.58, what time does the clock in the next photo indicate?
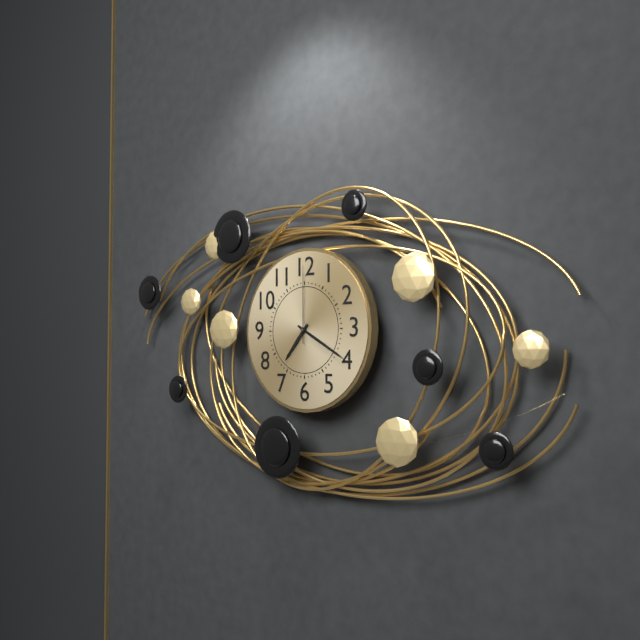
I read 7.20.00
